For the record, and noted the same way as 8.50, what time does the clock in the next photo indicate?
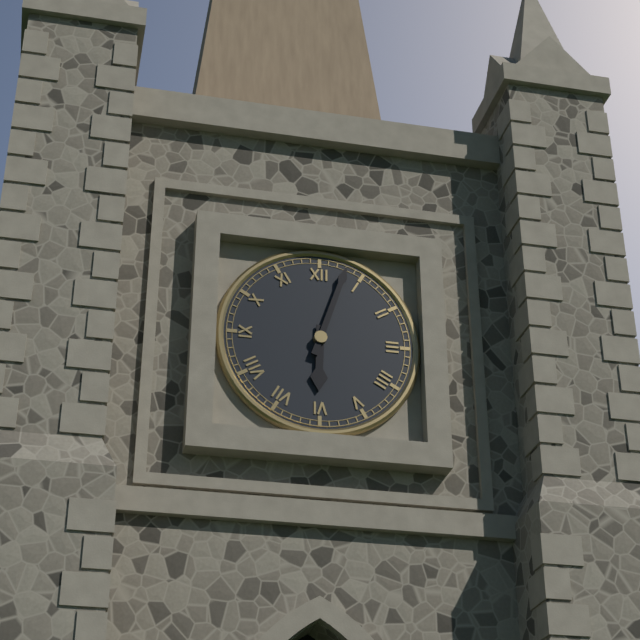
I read 6.03
